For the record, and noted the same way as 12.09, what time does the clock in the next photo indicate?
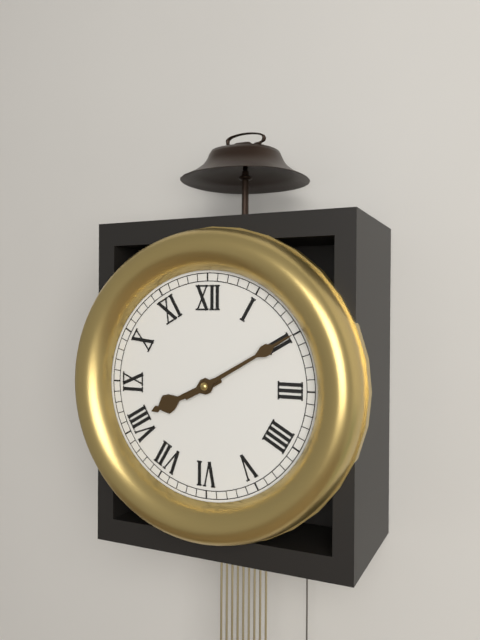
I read 8.10
